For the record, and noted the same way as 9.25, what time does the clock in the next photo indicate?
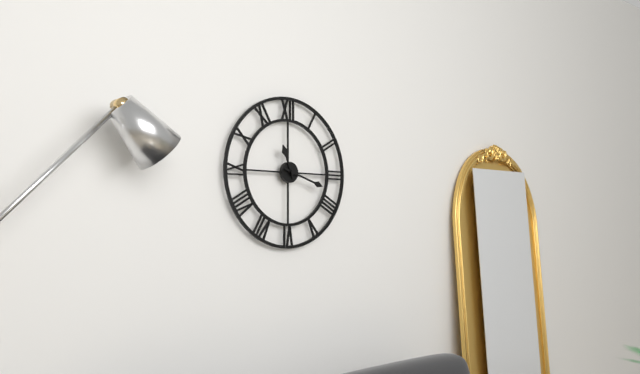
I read 11.18
